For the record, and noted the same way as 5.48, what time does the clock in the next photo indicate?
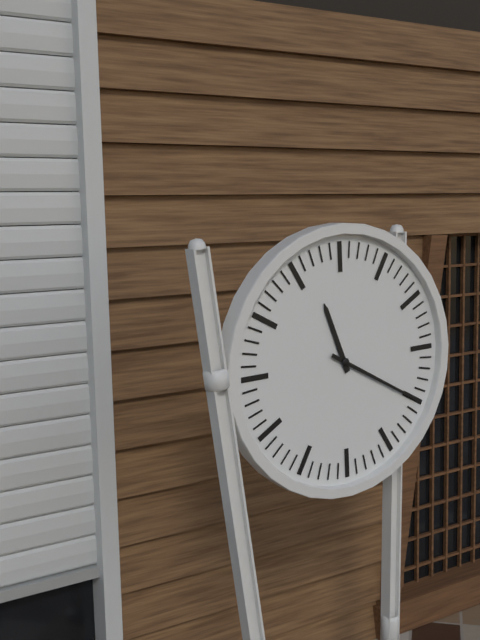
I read 11.20
